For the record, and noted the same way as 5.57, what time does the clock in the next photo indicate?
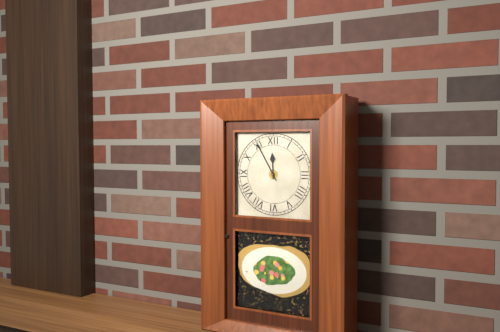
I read 11.55
